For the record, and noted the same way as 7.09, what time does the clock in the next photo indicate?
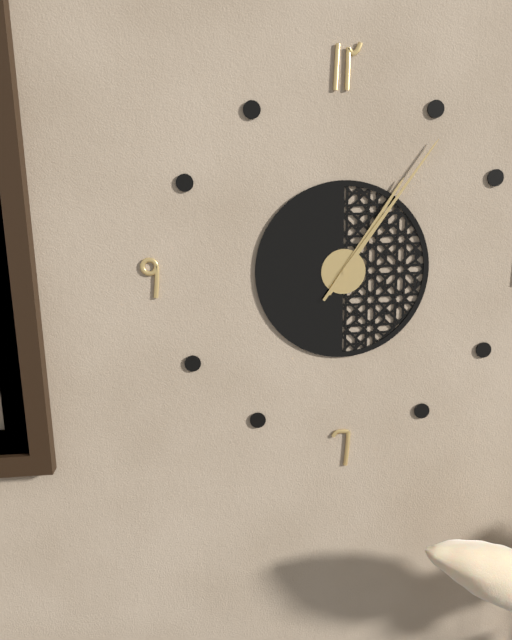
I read 1.06
